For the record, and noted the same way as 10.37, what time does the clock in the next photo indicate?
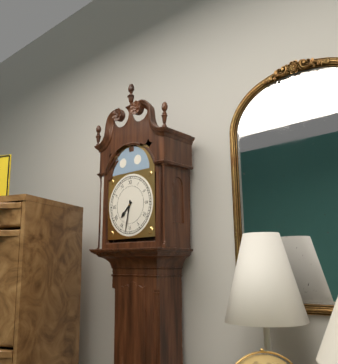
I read 7.32
